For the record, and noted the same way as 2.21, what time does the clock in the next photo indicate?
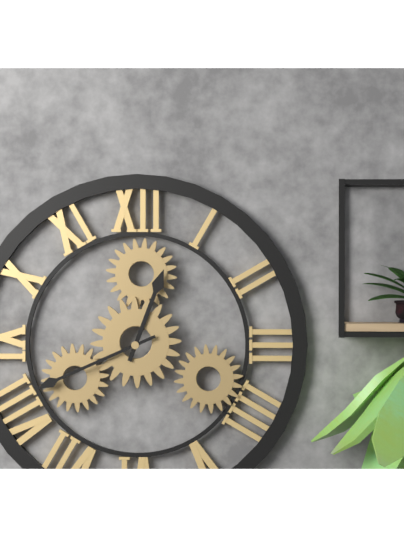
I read 12.41
